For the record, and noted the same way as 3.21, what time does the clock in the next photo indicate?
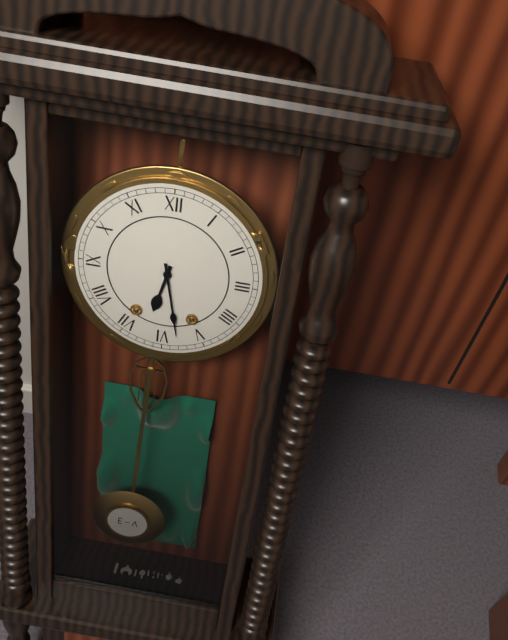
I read 6.28
